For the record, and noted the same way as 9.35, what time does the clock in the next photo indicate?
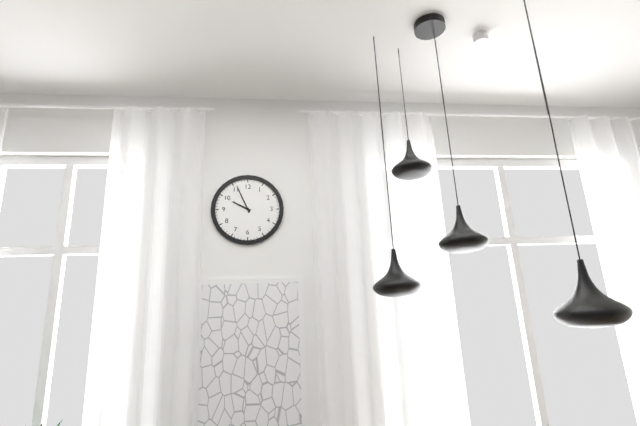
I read 9.56
